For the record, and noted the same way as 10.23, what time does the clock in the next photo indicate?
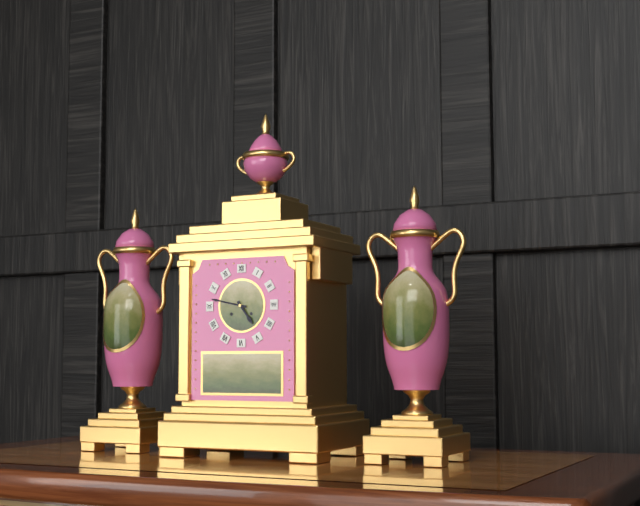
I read 4.47
